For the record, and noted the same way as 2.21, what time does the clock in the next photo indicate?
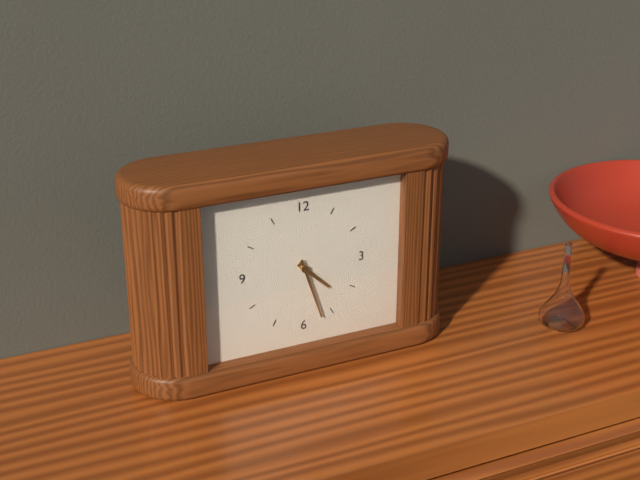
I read 4.27
